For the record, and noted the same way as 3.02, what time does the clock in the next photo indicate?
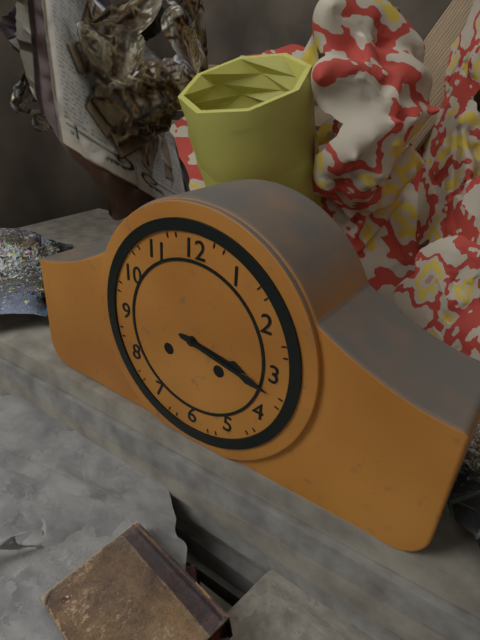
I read 3.17
